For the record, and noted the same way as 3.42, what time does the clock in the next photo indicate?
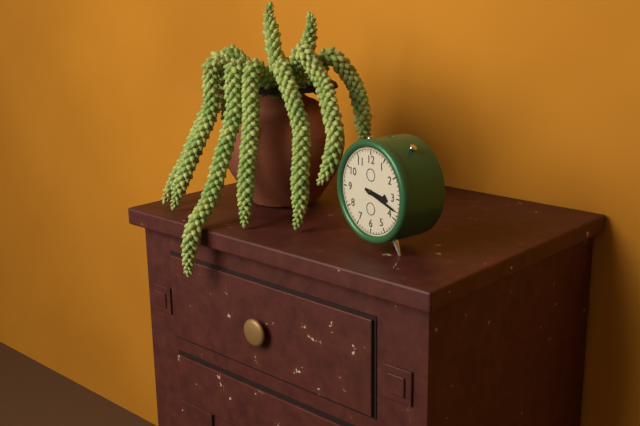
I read 3.18
